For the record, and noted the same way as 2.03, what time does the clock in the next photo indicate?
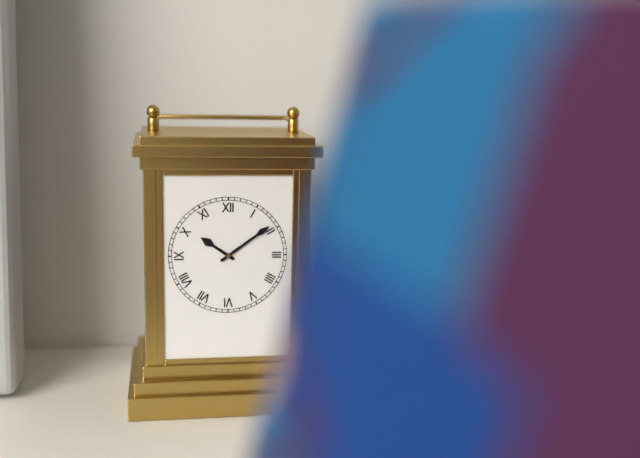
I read 10.09
